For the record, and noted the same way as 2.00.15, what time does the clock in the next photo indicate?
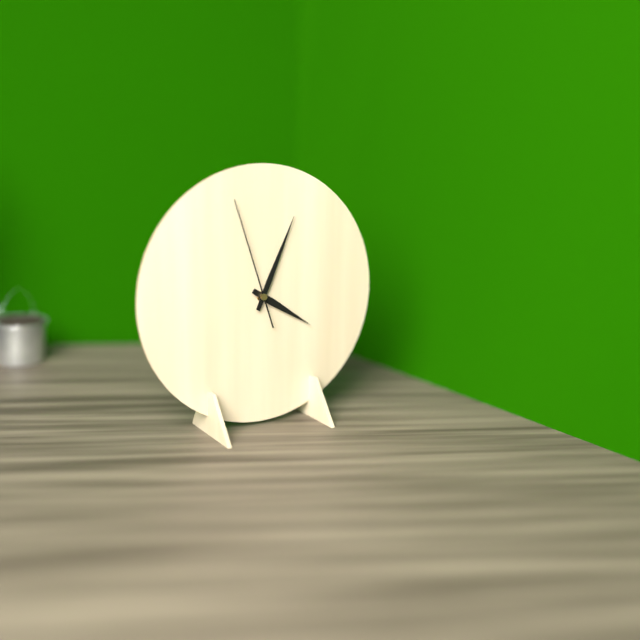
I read 4.04.57
